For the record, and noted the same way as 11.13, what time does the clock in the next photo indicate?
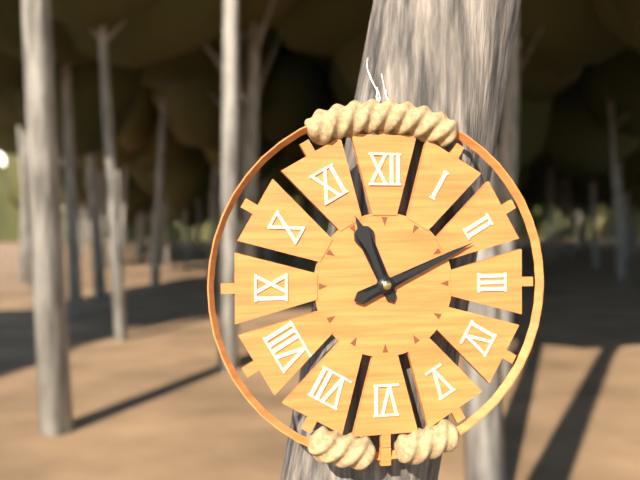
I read 11.11
